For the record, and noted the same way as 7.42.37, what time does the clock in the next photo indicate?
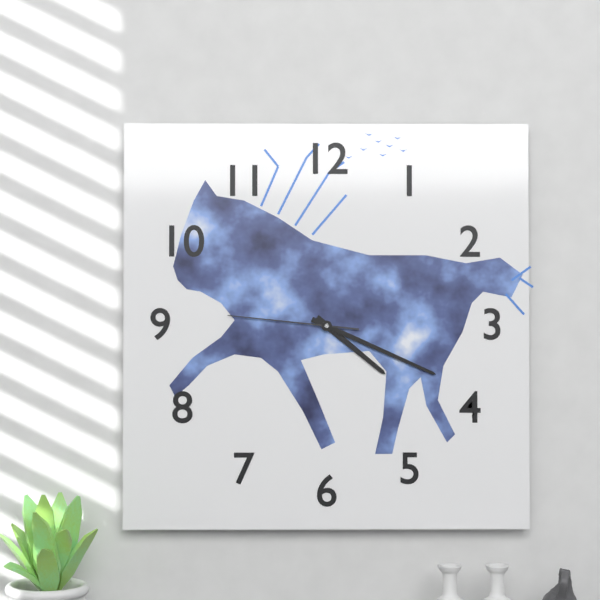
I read 4.19.46
